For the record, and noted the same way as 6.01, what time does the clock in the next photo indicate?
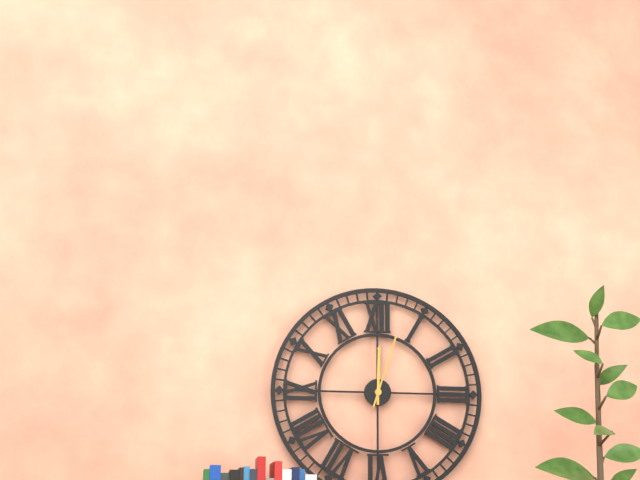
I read 12.03
